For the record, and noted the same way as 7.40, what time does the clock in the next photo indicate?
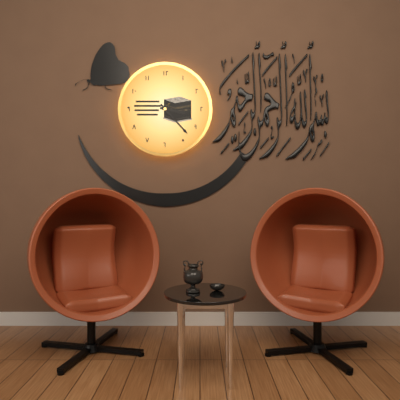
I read 3.23
